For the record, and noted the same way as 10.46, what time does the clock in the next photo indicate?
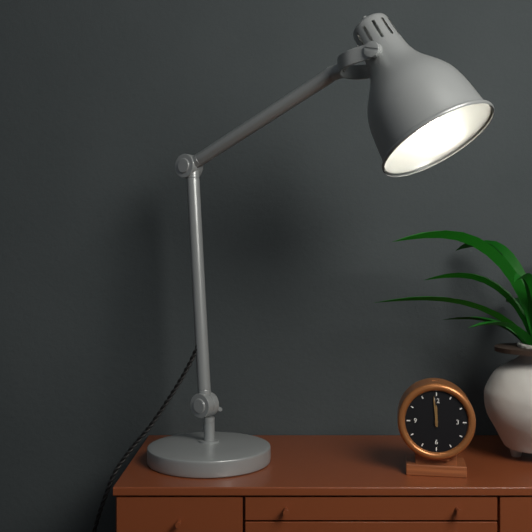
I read 11.59
